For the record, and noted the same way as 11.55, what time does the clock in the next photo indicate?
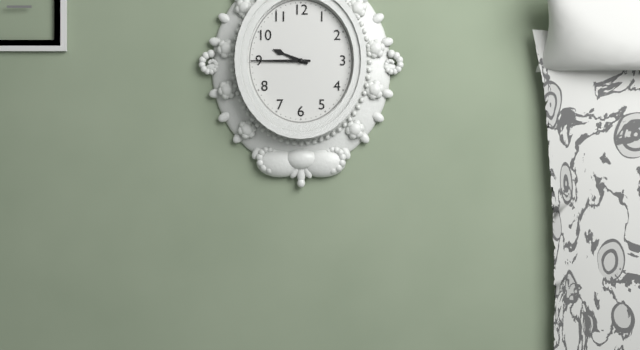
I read 9.45
